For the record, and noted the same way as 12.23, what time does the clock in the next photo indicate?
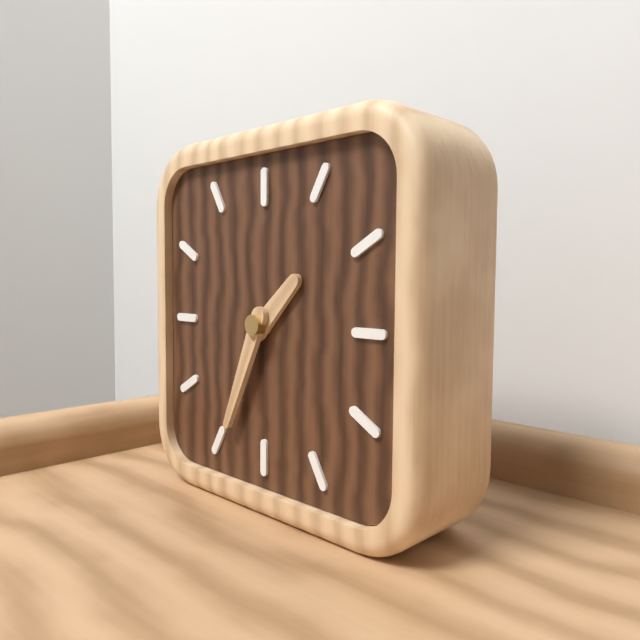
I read 1.34
